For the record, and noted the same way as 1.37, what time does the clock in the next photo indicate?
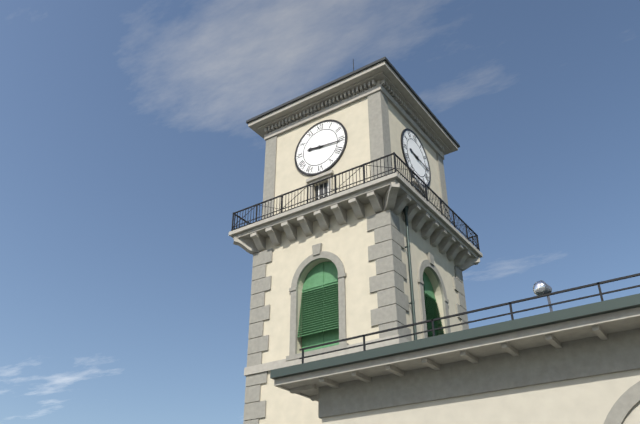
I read 9.16
